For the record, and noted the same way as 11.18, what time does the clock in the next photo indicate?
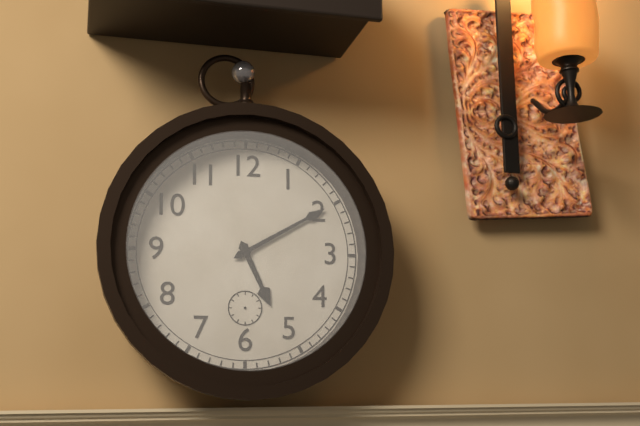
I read 5.10
